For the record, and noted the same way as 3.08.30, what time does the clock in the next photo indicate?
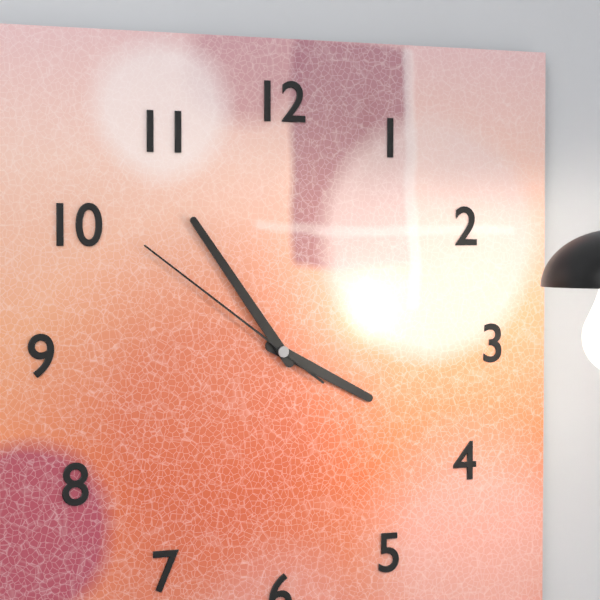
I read 3.54.51
